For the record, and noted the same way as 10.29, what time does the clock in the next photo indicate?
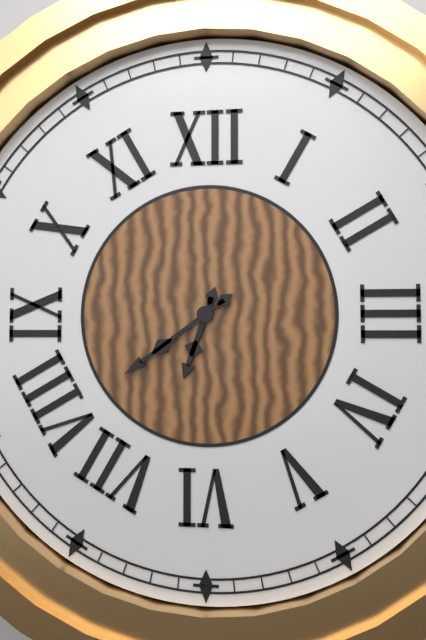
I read 6.39
